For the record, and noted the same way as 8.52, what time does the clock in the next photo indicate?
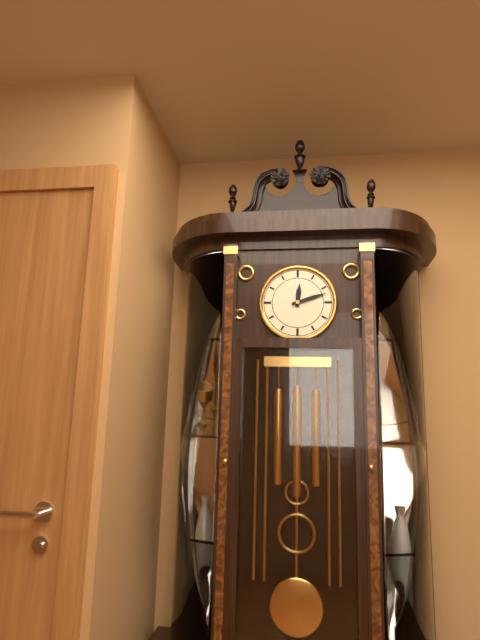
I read 12.12
